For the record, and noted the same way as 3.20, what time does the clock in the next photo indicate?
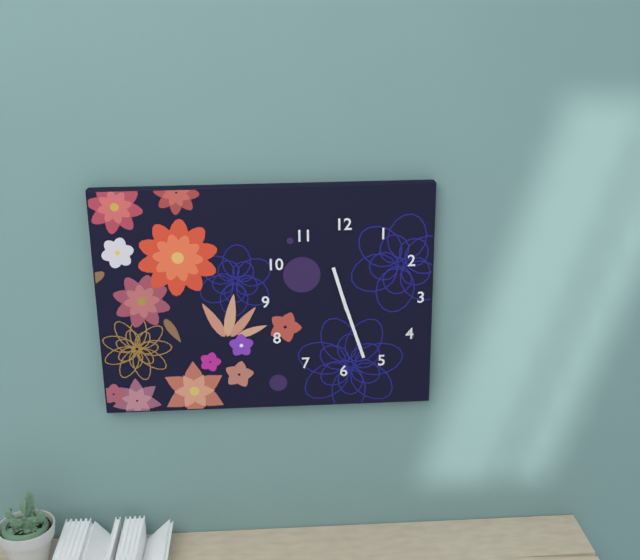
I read 11.27
